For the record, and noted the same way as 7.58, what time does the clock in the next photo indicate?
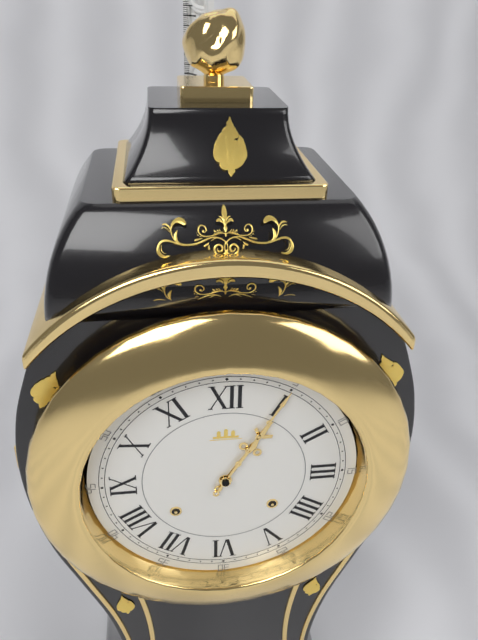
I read 1.05
